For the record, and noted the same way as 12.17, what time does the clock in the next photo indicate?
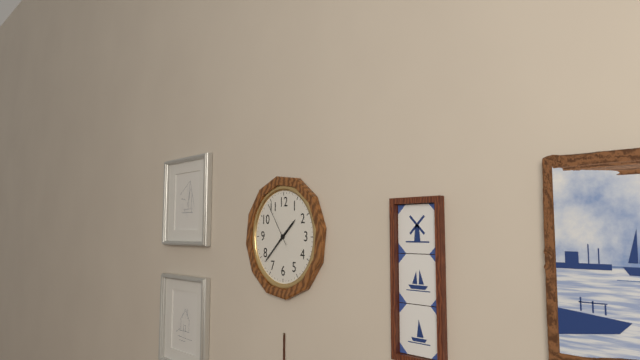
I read 1.38
